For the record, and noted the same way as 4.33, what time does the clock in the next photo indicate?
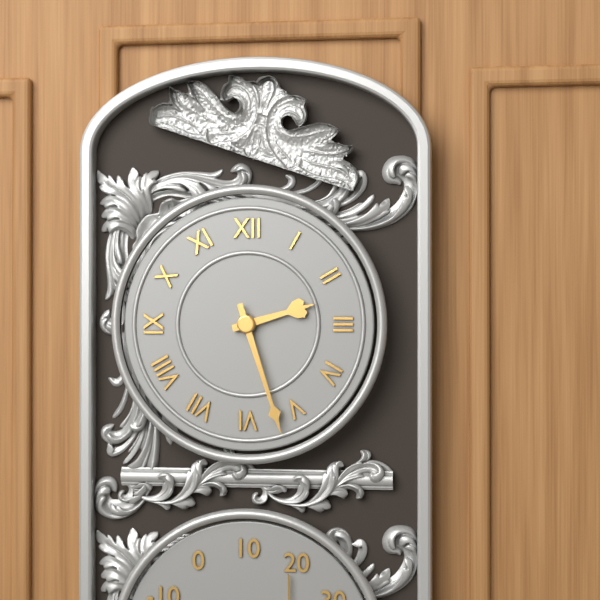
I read 2.27
